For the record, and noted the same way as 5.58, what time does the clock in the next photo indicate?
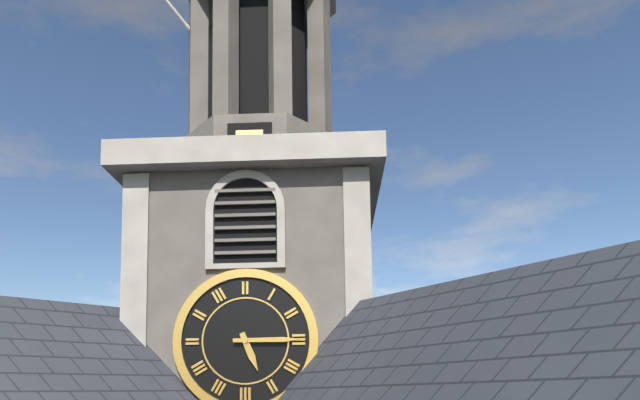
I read 5.15
